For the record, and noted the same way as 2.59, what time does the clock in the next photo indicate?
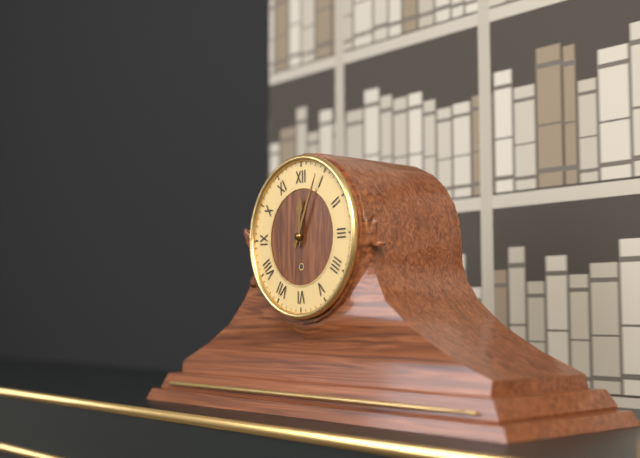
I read 12.04
